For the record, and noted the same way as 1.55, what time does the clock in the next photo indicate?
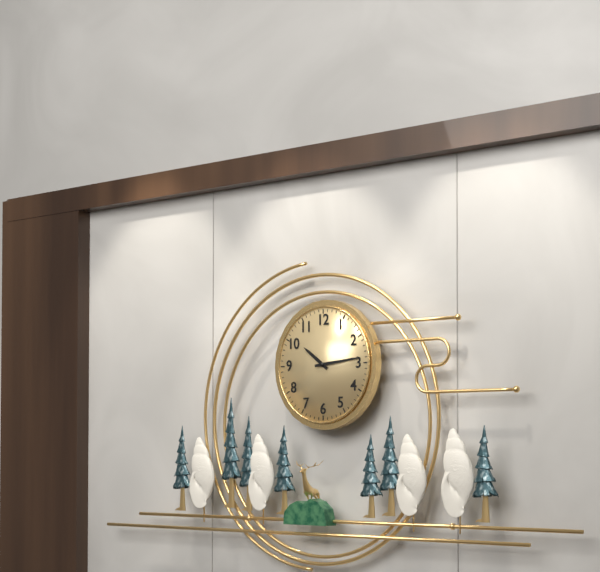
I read 10.14
